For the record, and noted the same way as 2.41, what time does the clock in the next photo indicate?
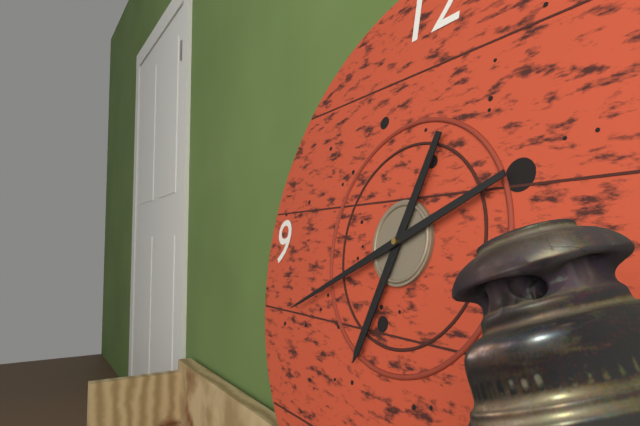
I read 6.41
